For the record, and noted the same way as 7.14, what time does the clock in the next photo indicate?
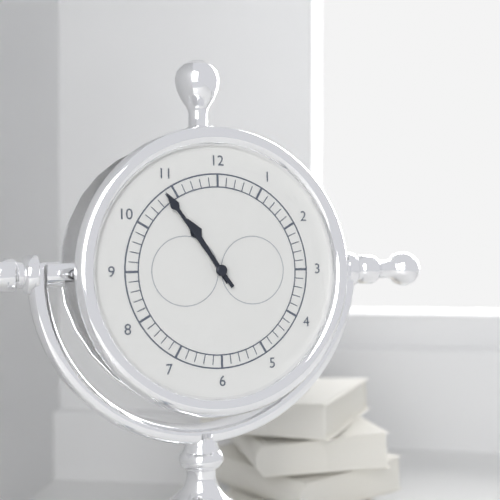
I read 10.54
